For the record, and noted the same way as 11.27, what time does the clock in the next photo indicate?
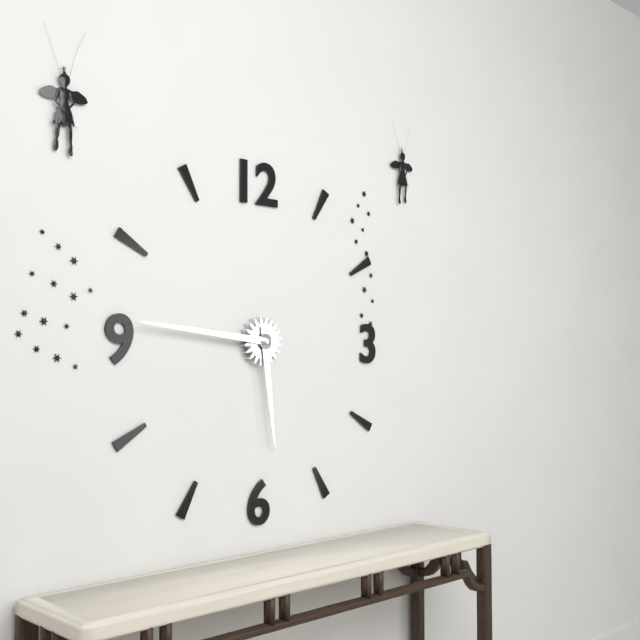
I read 5.46
